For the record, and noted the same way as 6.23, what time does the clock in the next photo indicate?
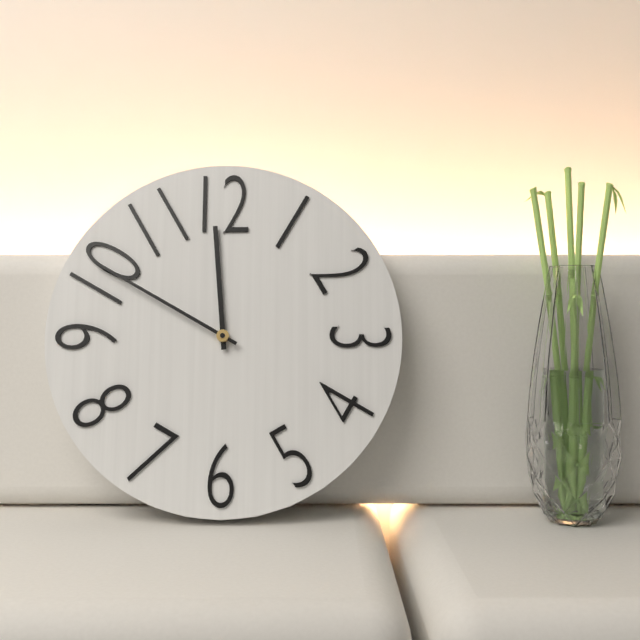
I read 11.50
